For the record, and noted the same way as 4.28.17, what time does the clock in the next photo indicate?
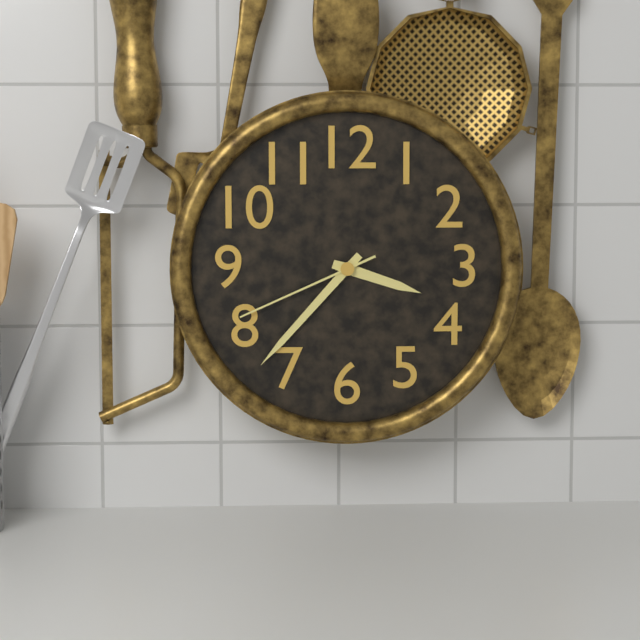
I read 3.37.41
